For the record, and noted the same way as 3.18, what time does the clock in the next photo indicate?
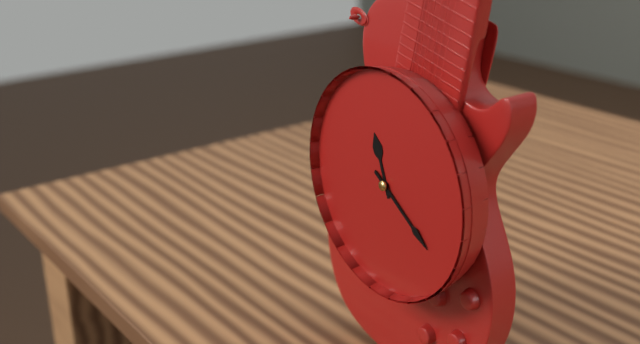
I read 11.21
